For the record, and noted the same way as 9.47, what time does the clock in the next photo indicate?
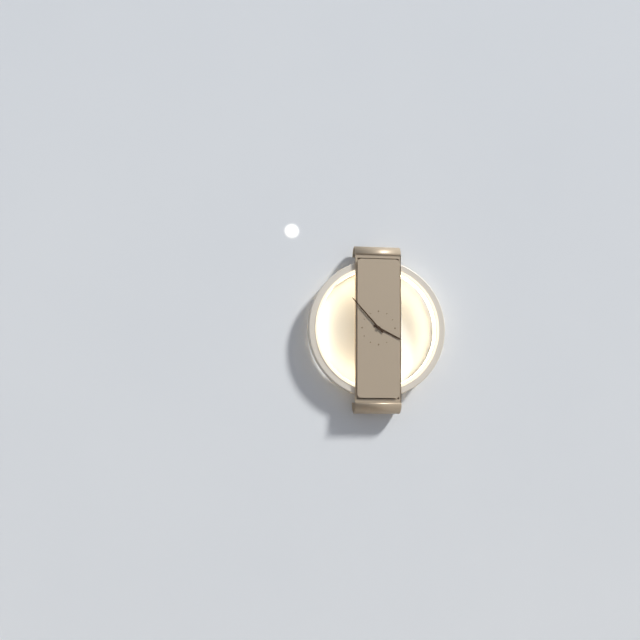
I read 3.53
